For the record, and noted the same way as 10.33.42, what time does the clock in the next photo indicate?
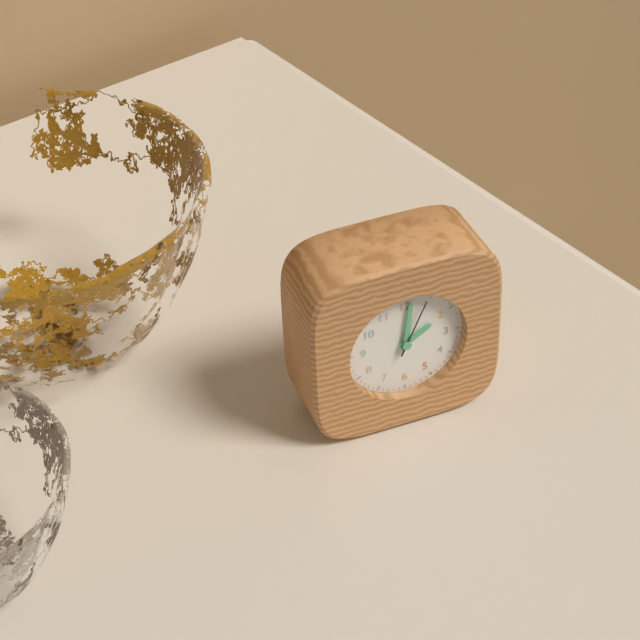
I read 2.01.04
